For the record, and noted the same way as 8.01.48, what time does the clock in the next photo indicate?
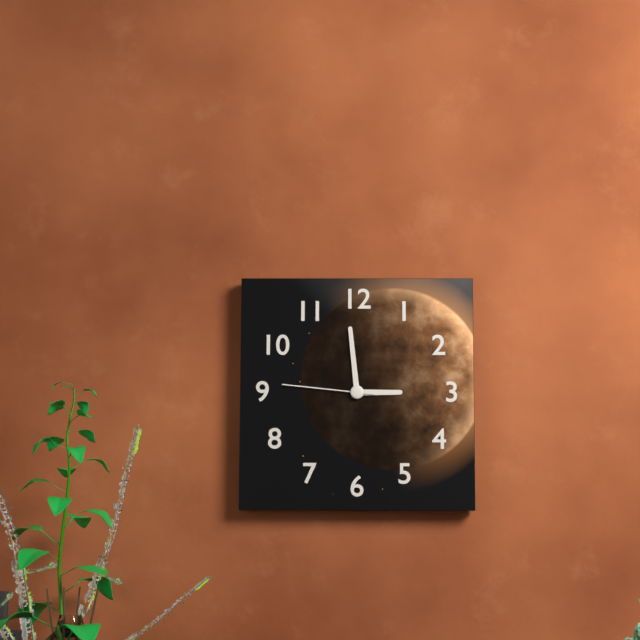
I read 2.59.46
